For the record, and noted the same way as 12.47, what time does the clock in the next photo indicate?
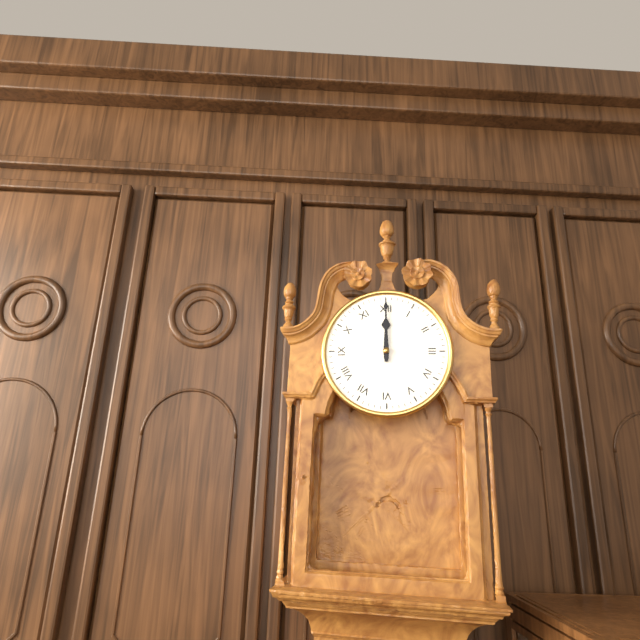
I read 12.00
